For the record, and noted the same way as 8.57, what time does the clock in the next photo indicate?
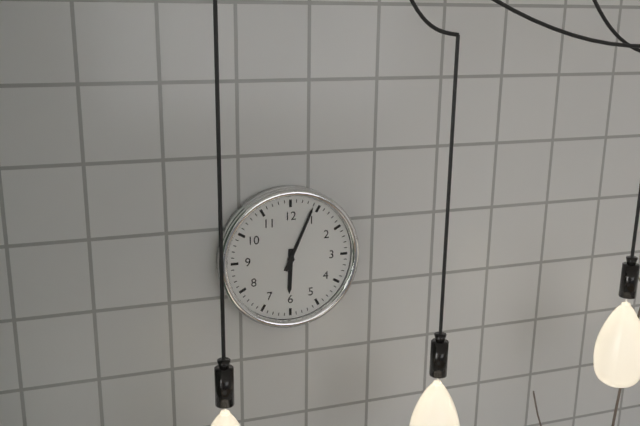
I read 6.04
